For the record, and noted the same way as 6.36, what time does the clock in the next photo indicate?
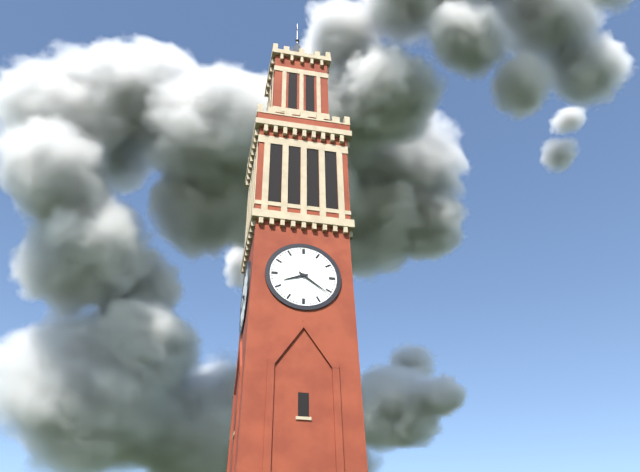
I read 8.21
